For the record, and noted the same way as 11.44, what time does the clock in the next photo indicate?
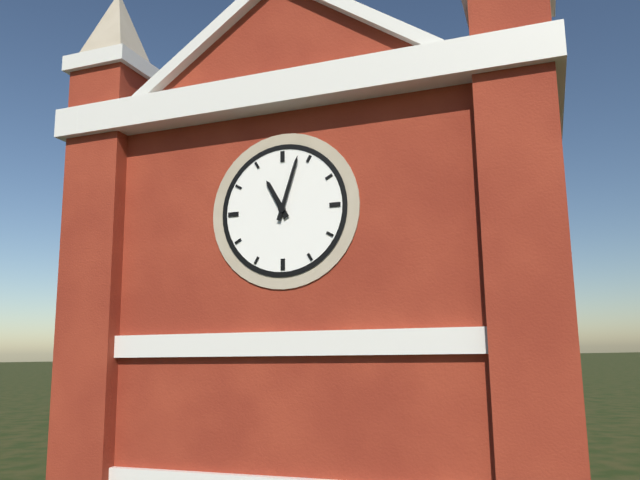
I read 11.03
